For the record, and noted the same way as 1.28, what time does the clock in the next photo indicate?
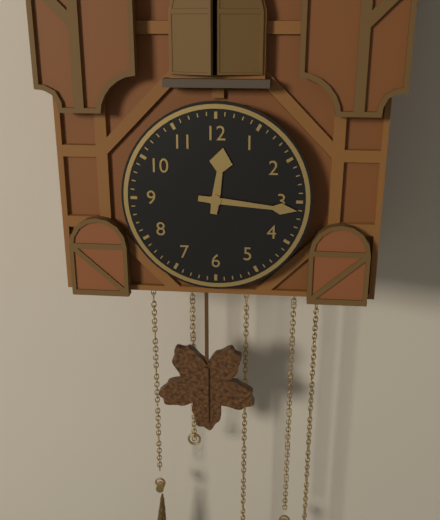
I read 12.16
